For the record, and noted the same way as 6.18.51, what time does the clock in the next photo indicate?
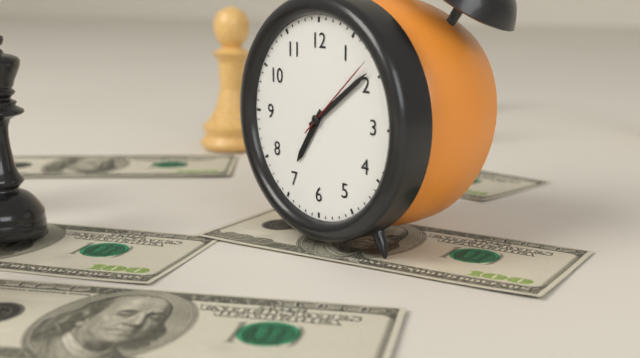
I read 7.09.08
